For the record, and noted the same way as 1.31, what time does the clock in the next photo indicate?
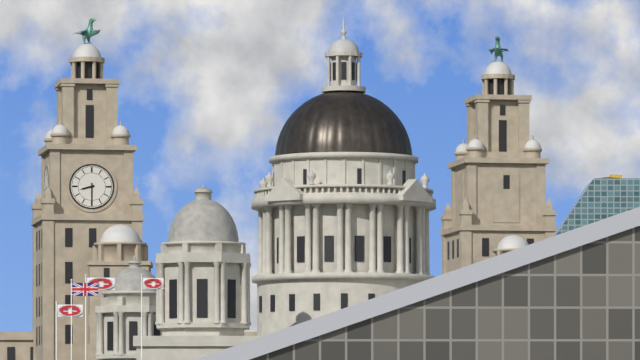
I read 8.30
